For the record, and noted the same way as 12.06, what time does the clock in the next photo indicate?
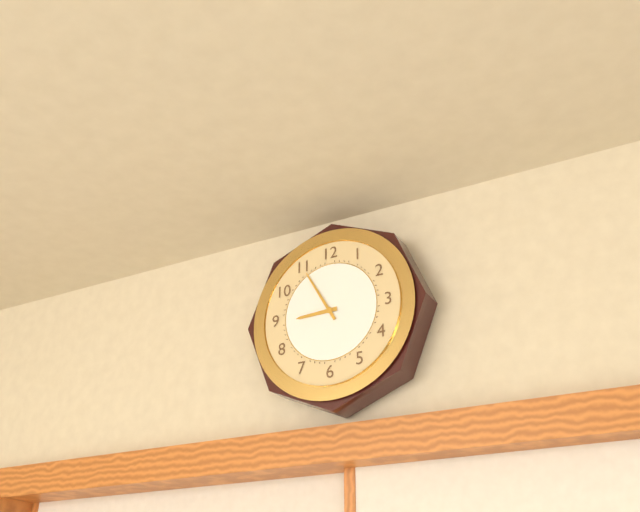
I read 8.55
